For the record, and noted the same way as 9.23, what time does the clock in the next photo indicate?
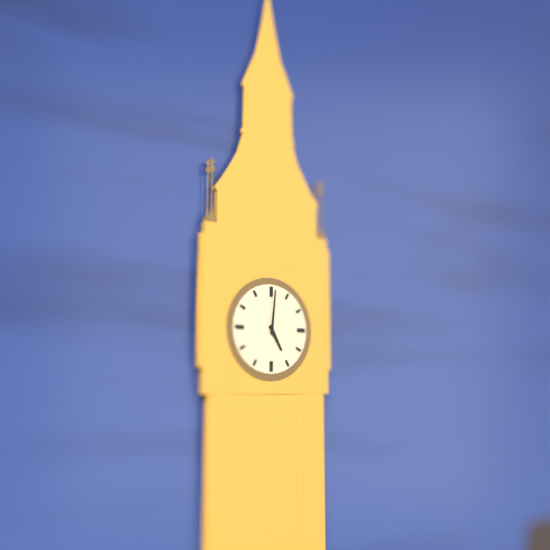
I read 5.01
